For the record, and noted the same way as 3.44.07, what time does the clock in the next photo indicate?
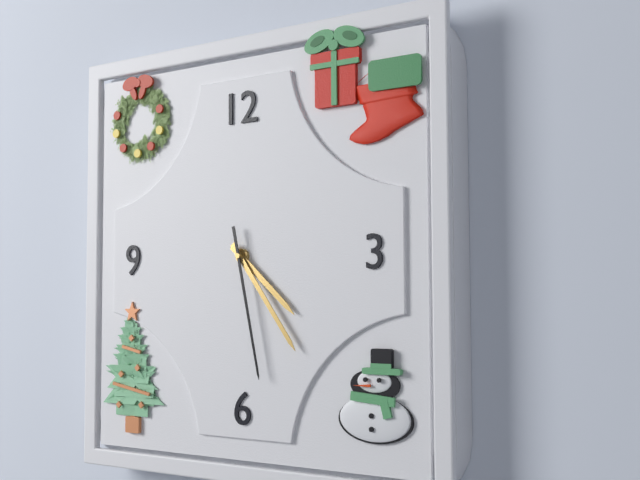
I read 4.24.28
